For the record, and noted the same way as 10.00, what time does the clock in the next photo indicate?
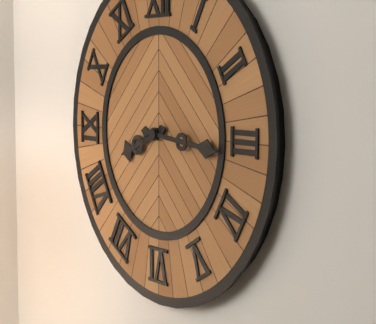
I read 8.16
